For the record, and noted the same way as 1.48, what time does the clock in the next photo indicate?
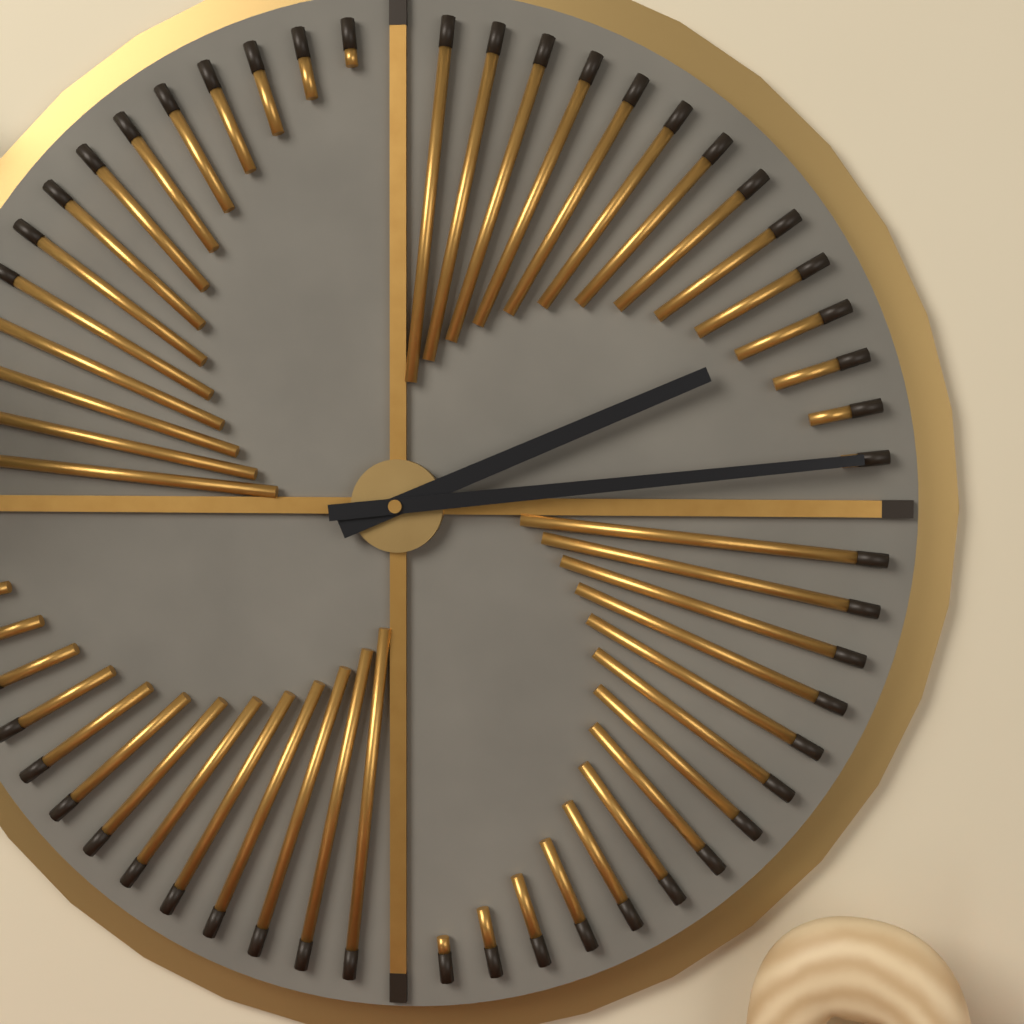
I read 2.14
